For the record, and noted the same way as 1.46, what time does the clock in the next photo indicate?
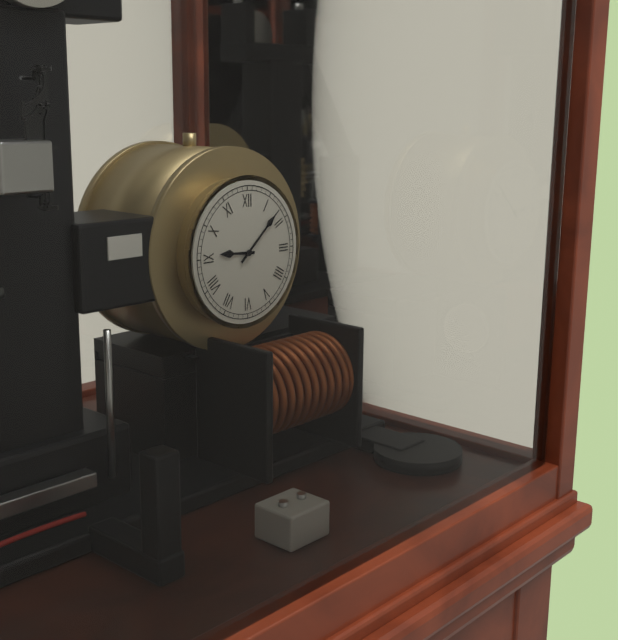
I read 9.08
